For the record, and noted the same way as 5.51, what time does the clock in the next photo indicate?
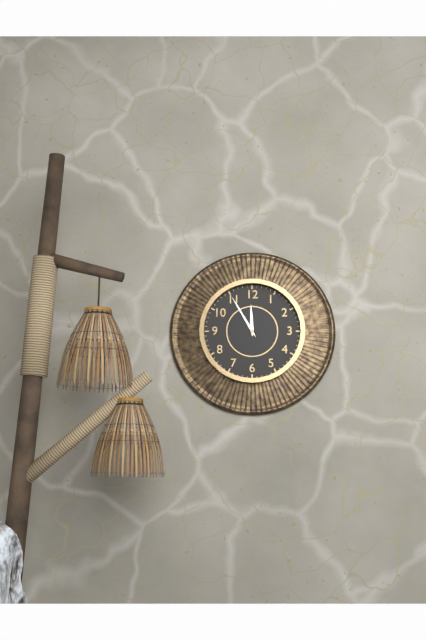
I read 11.55
